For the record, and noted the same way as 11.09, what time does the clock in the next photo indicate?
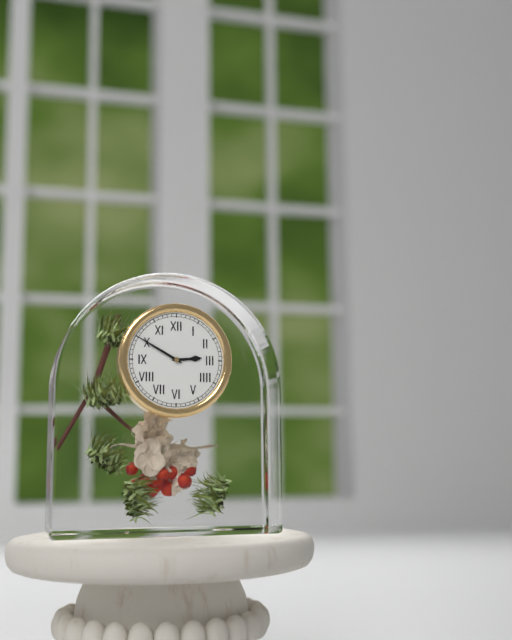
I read 2.50
